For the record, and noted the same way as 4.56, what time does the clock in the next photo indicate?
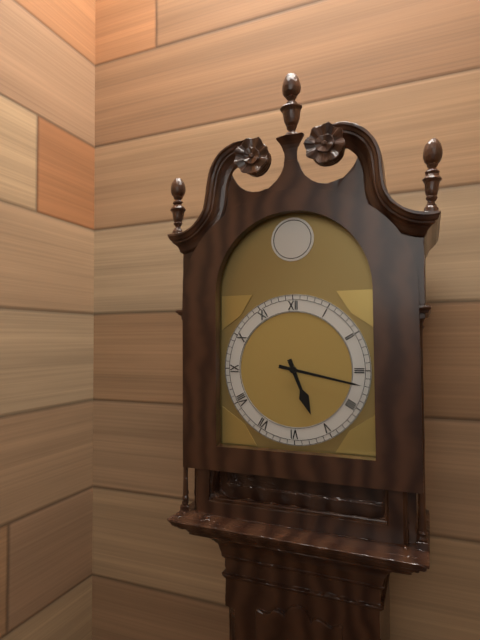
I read 5.17
